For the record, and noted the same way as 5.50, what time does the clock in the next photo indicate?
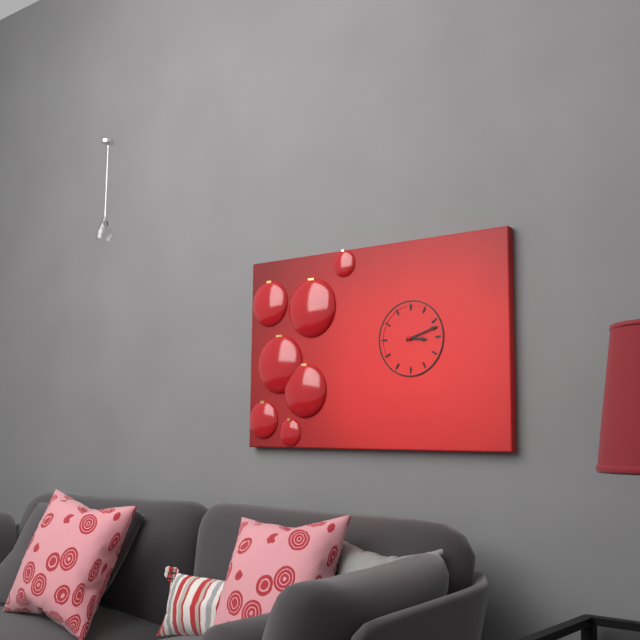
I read 3.12
